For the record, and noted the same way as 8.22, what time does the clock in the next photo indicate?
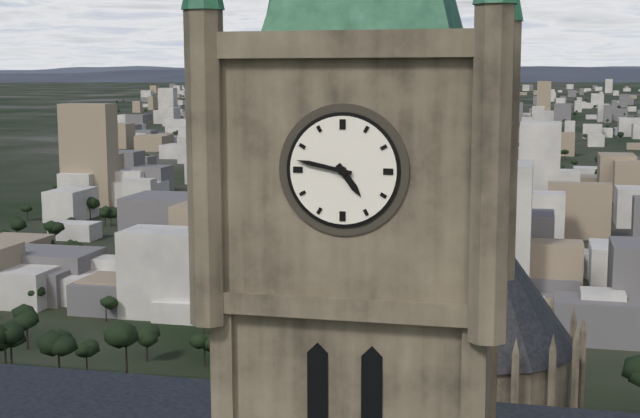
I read 4.47
